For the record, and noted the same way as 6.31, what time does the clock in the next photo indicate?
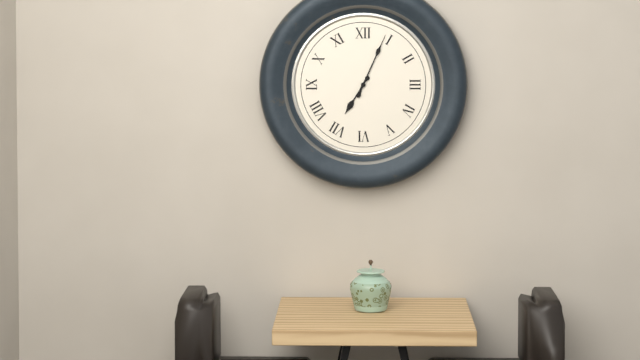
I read 7.04
